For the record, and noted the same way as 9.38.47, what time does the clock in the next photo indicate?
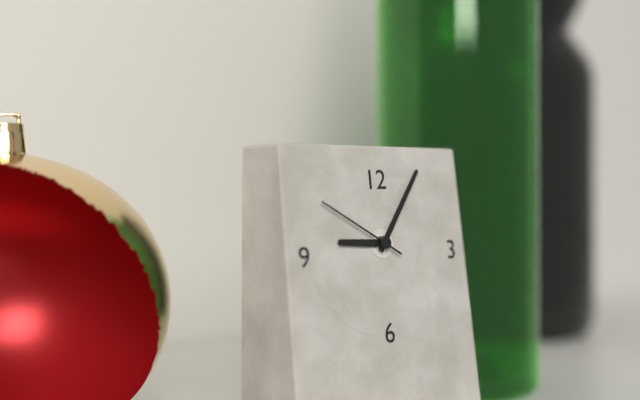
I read 9.06.50
